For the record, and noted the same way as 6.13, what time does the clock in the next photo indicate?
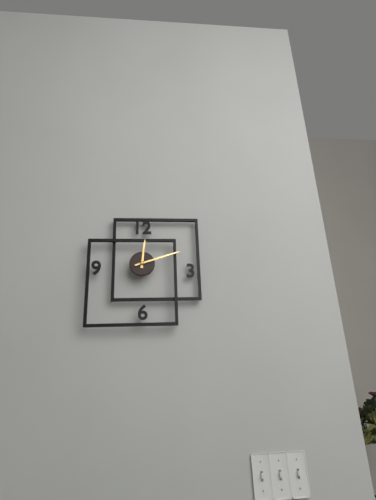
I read 12.12
